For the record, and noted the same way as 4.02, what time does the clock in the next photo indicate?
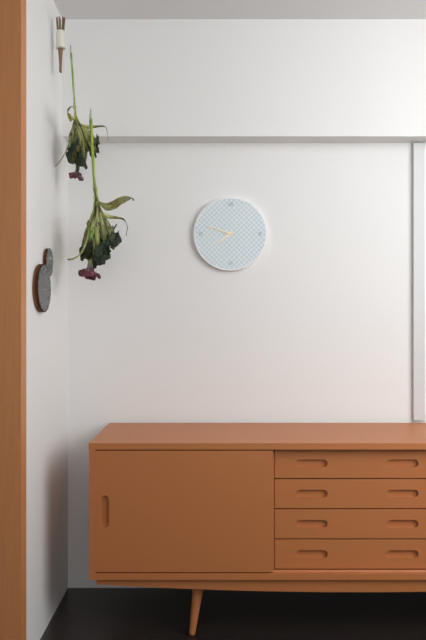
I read 7.48
